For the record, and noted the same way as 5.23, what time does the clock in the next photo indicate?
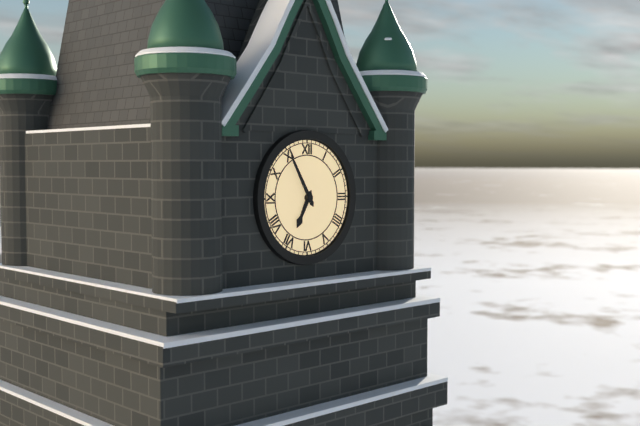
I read 6.55
